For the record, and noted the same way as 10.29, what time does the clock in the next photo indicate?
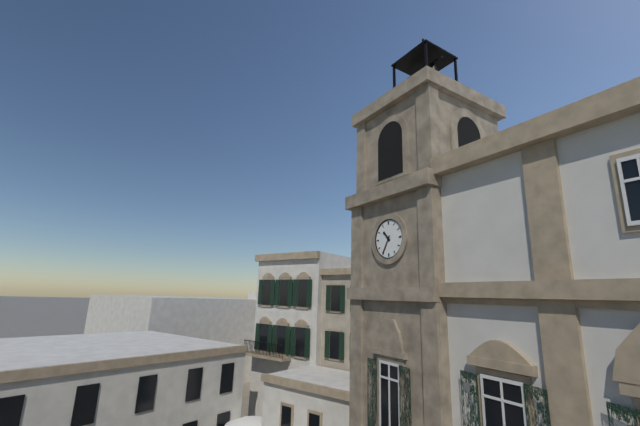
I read 10.35
